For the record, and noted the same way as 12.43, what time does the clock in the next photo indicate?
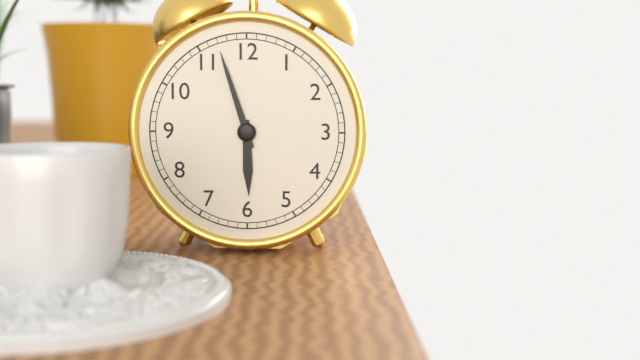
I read 5.57
